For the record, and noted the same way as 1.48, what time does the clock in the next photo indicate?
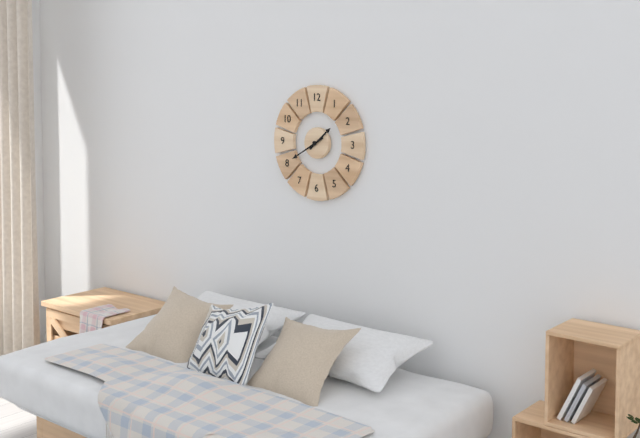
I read 1.40
